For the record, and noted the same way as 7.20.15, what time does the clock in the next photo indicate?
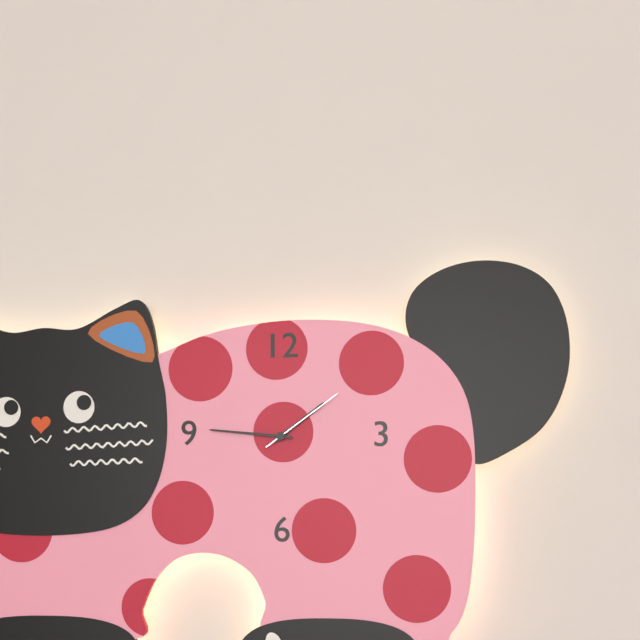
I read 1.46.09
